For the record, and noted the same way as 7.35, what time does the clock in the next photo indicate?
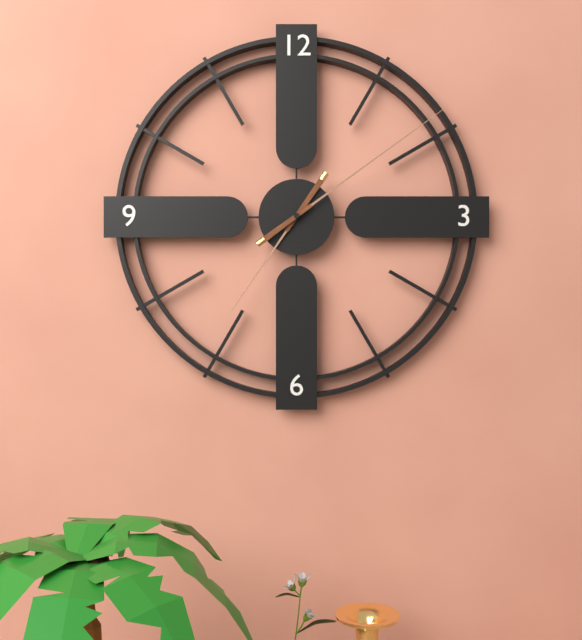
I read 7.09
